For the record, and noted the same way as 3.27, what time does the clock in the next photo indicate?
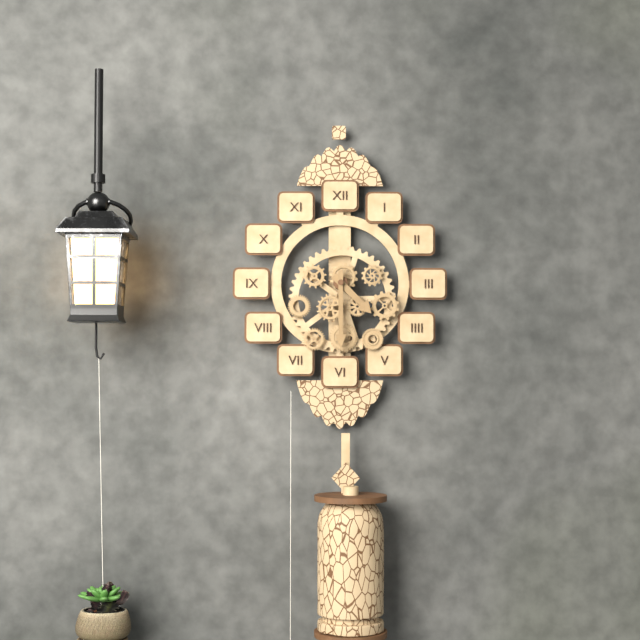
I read 4.30
